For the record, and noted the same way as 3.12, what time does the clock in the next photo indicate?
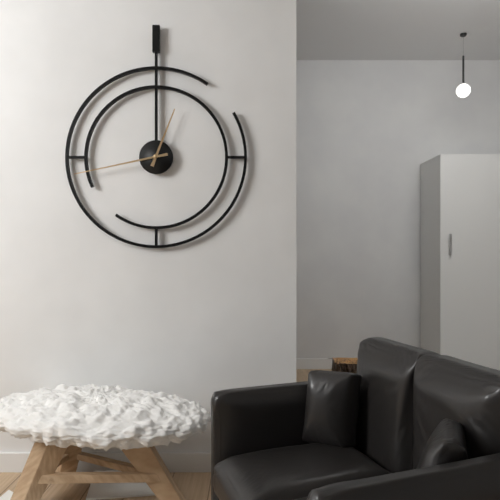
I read 12.43
